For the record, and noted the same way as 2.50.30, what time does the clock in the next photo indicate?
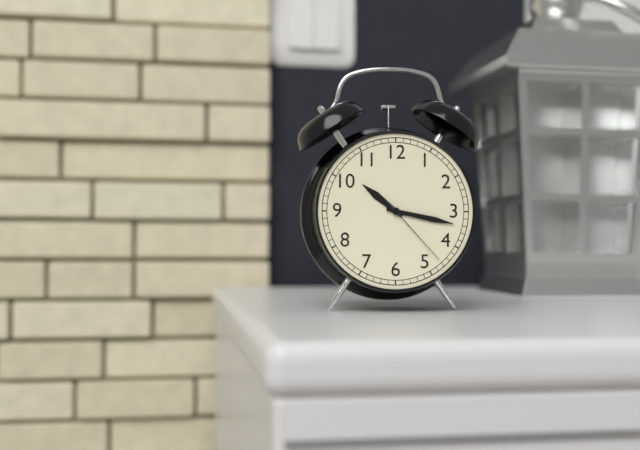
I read 10.17.23
